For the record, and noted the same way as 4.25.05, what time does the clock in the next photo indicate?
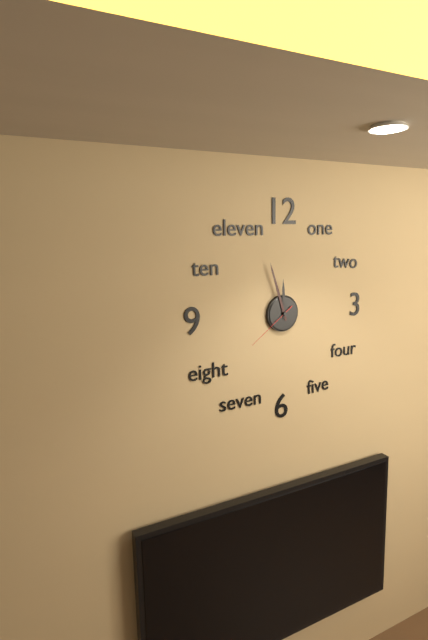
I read 11.57.39
